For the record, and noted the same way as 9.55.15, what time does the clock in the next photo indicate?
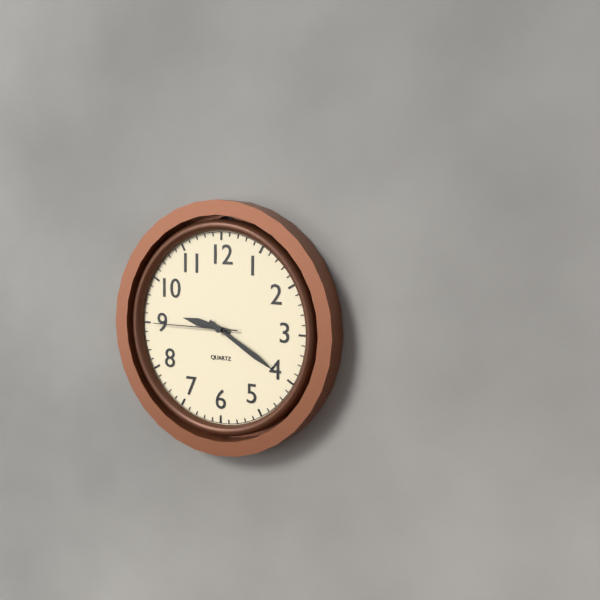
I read 9.20.45
